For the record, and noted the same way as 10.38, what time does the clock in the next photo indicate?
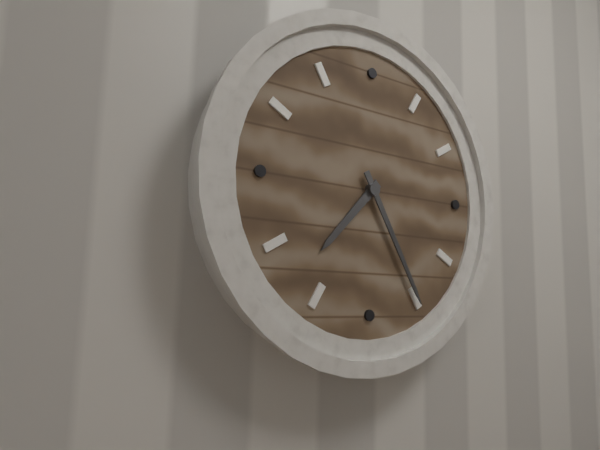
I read 7.25
